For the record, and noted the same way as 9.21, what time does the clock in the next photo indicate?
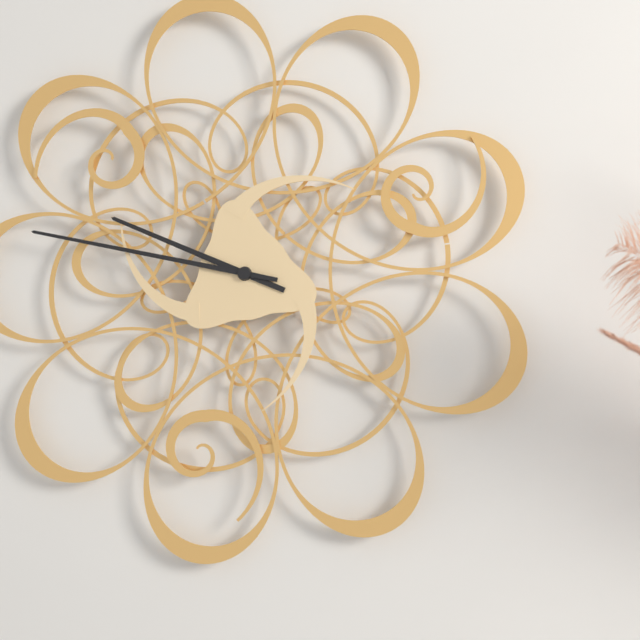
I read 9.47
